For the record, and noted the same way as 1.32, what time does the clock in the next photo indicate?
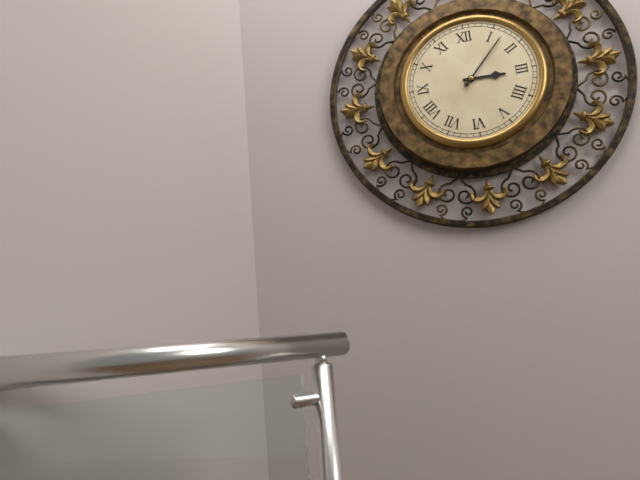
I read 3.07
